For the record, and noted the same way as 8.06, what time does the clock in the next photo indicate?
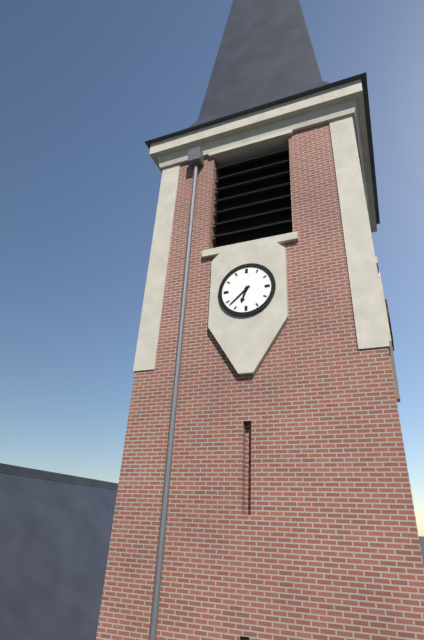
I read 6.38
